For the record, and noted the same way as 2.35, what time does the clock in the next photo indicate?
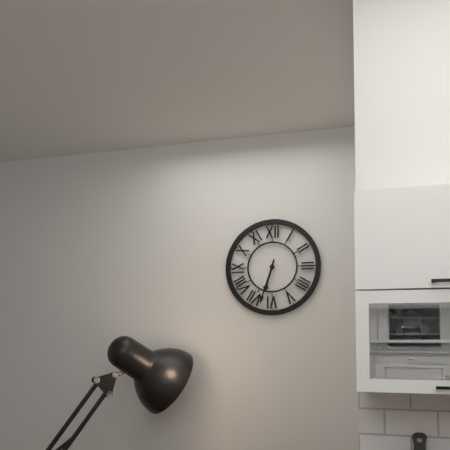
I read 6.33
